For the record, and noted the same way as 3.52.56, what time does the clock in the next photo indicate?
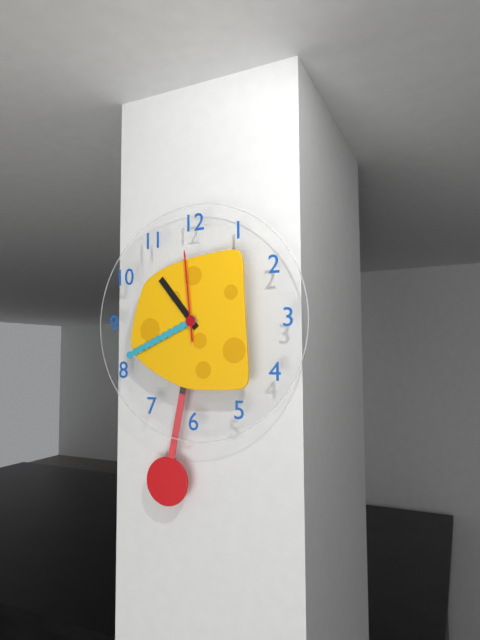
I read 10.41.59
